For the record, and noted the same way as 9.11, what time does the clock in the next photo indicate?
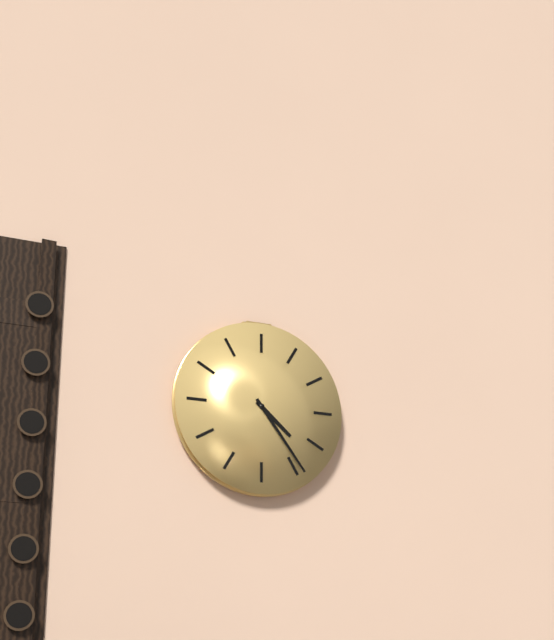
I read 4.24
